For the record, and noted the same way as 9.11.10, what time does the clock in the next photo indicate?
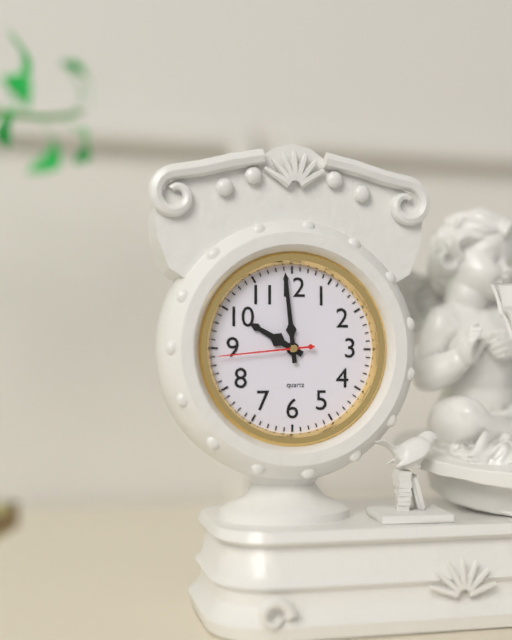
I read 9.59.44
